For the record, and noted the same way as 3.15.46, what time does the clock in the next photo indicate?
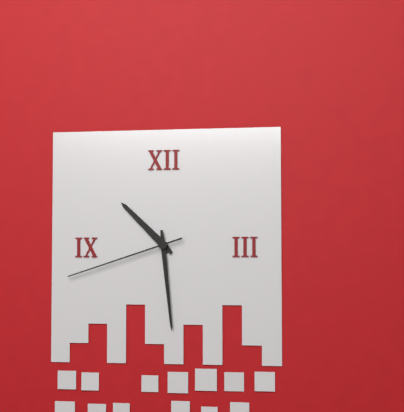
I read 10.29.42
